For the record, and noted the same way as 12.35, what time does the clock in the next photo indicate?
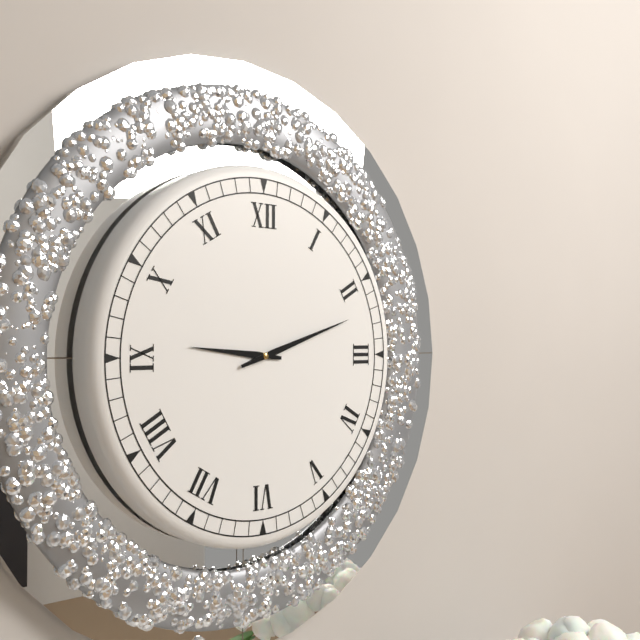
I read 9.12
